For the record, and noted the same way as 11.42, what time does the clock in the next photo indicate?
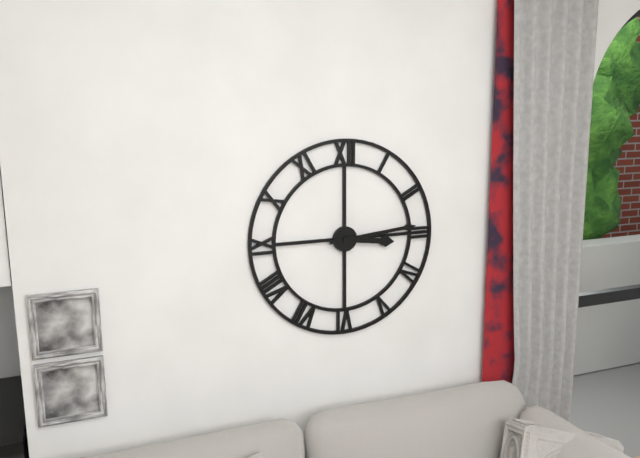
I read 3.14
